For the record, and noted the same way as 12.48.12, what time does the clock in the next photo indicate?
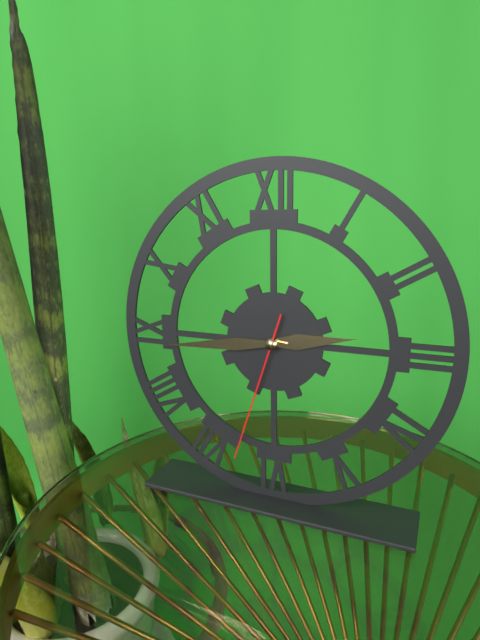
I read 2.44.33
